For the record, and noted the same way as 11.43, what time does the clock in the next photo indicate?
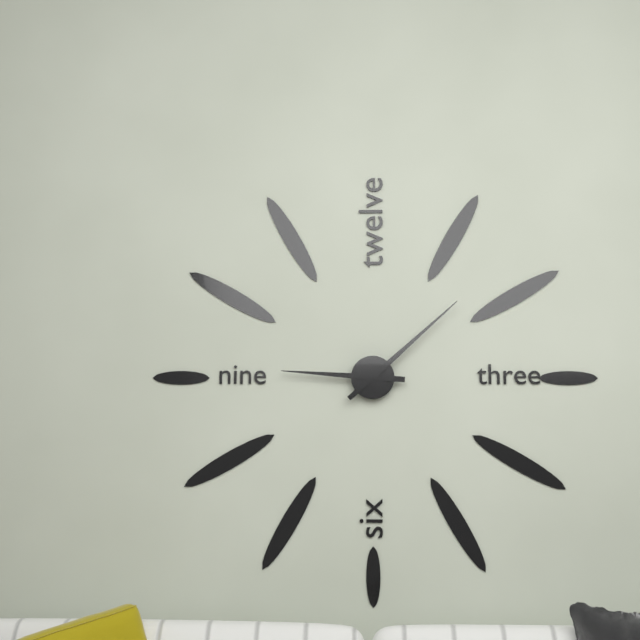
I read 9.08
